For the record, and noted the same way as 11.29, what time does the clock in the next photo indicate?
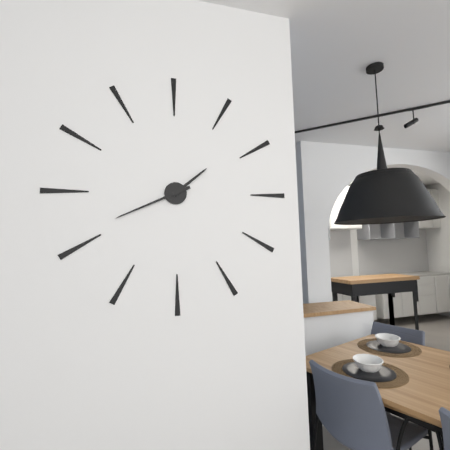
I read 1.41
